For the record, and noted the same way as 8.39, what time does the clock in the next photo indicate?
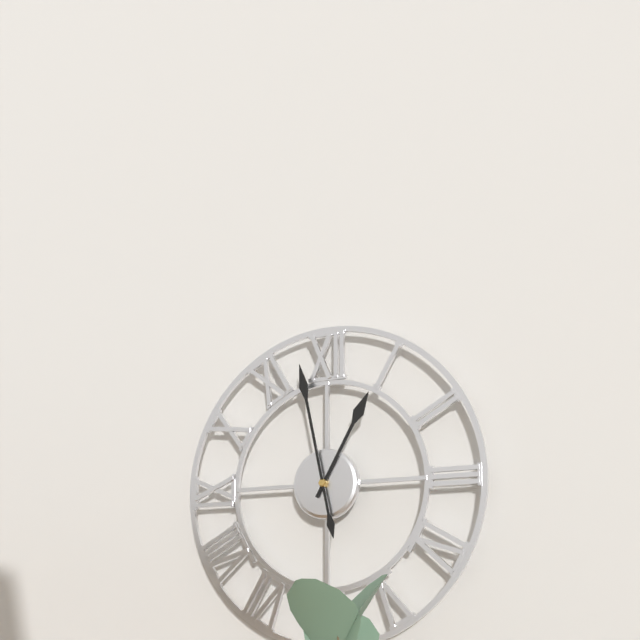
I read 12.58
